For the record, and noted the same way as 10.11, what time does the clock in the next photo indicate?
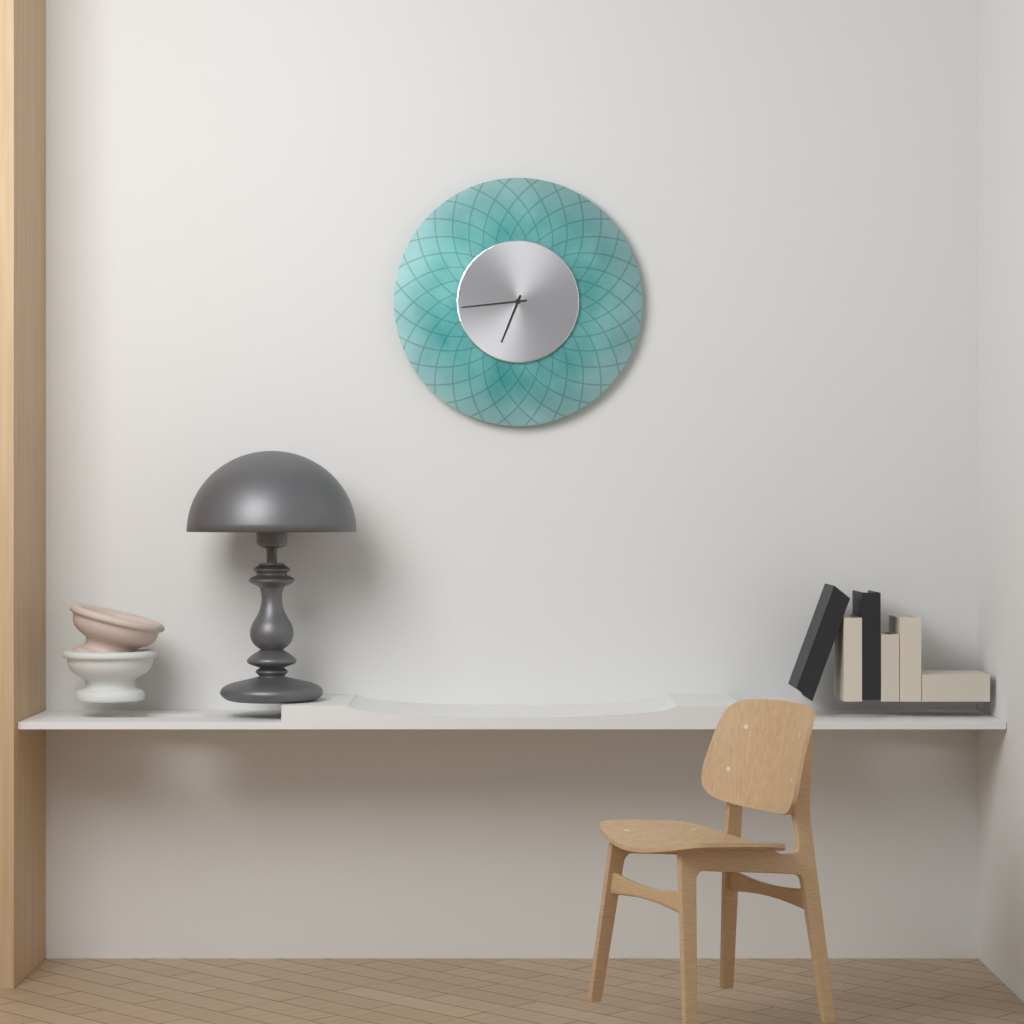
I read 6.44
